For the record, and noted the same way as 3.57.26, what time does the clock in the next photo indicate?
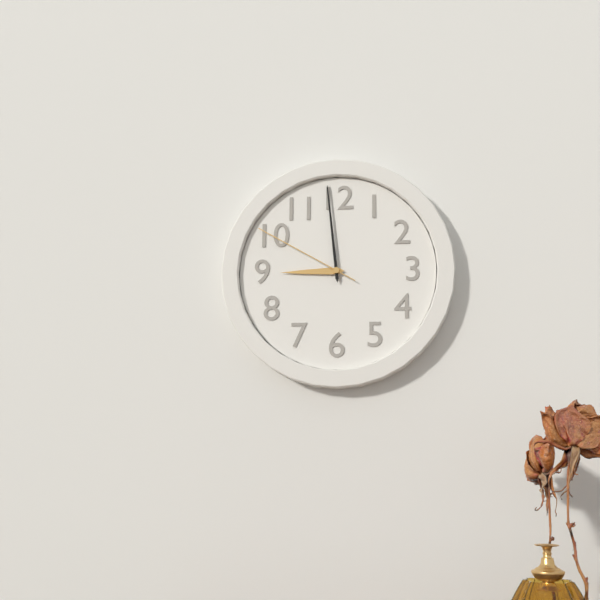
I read 8.59.50
